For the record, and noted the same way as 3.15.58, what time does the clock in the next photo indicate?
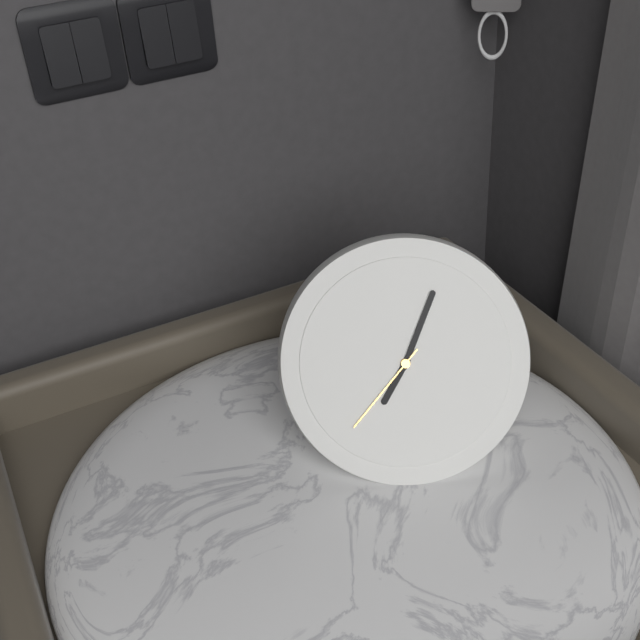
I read 7.04.37
